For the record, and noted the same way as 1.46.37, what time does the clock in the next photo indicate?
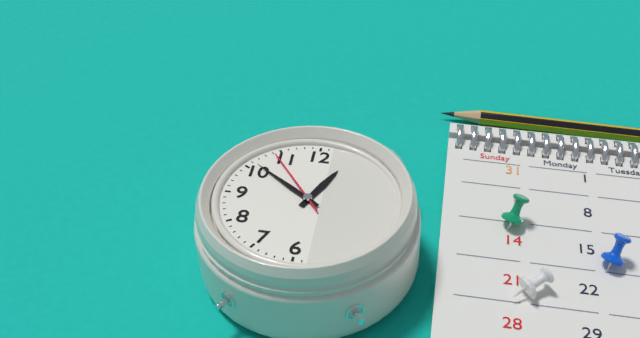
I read 12.51.54
